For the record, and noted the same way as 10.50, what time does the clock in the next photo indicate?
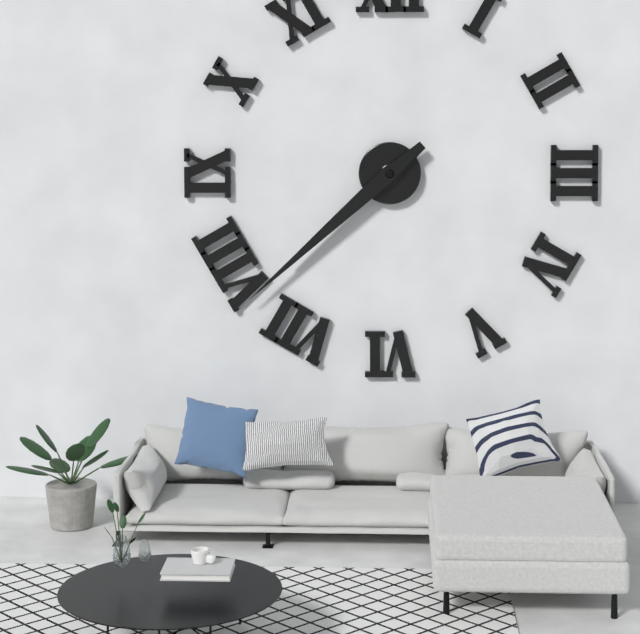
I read 7.38
